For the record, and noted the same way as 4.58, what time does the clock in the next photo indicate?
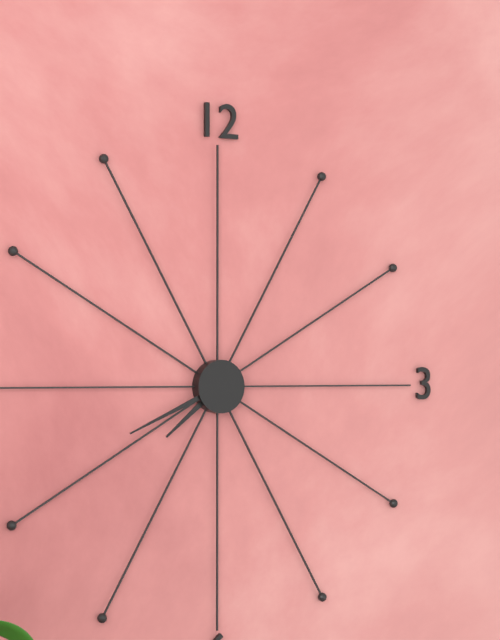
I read 7.41
